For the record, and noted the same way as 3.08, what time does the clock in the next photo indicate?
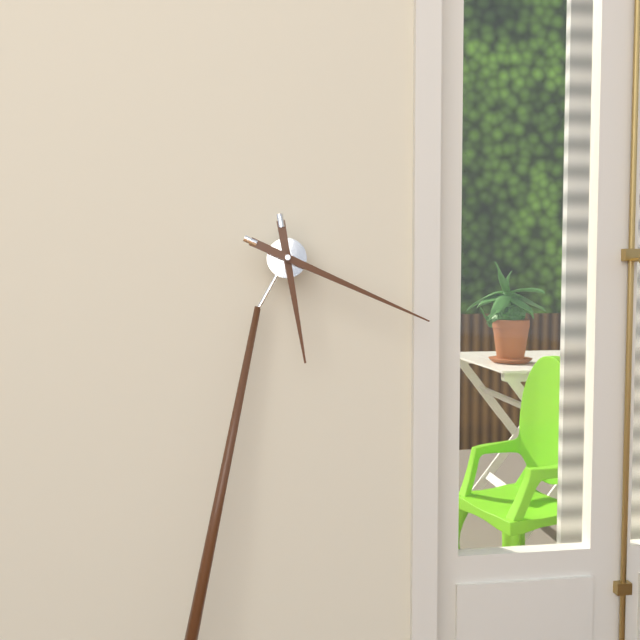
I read 5.17
